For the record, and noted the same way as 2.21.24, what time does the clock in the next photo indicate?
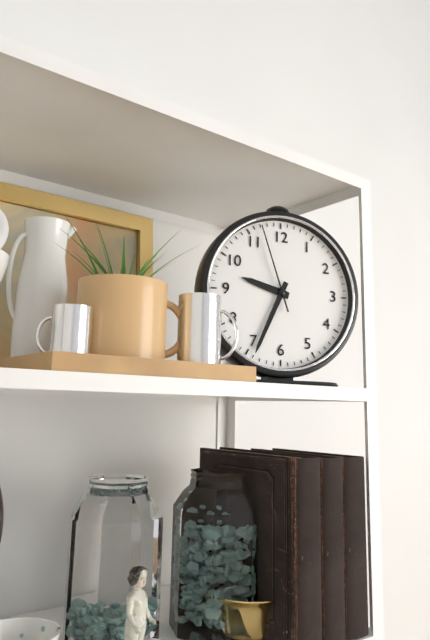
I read 9.34.57
